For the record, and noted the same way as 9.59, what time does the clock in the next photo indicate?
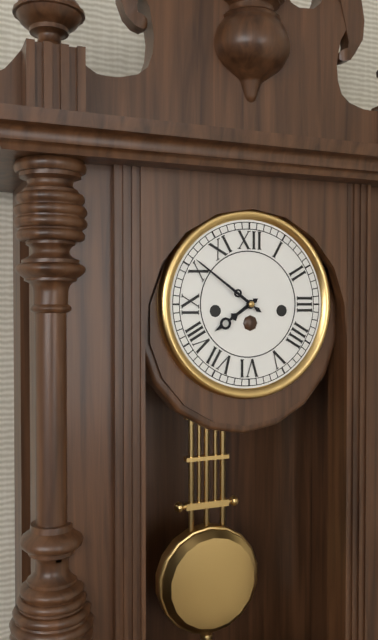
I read 7.51
